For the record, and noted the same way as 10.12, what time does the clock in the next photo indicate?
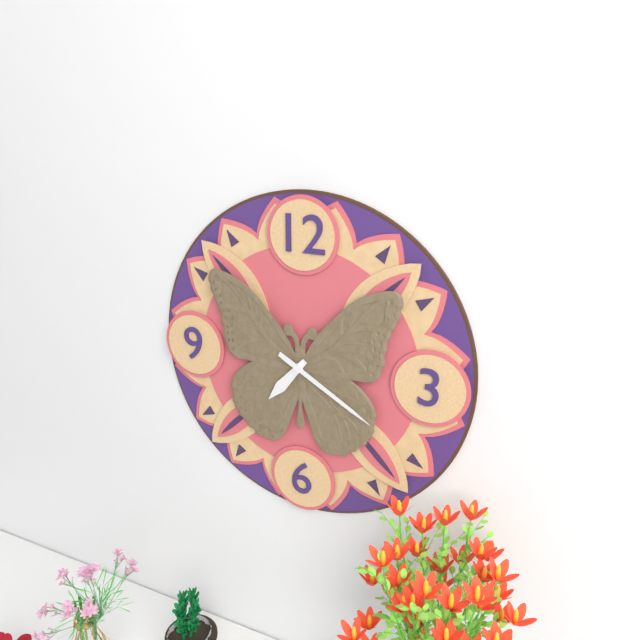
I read 7.20
